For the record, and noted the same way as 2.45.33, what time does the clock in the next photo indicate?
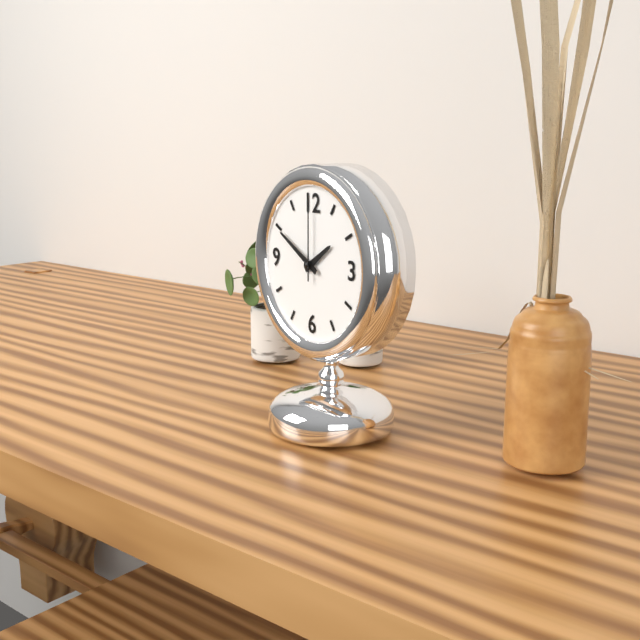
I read 1.50.00
